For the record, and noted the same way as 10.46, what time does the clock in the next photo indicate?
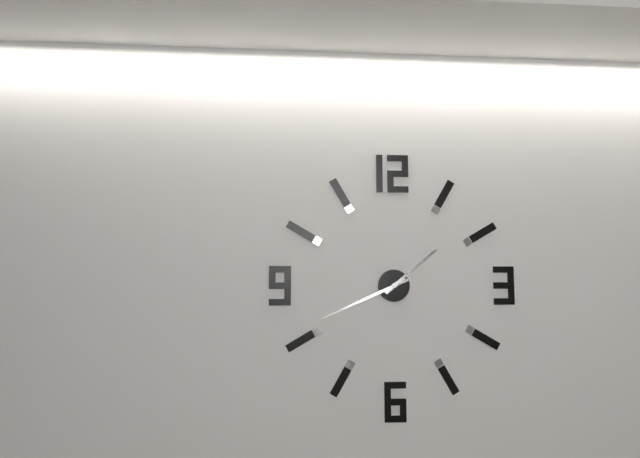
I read 1.41
